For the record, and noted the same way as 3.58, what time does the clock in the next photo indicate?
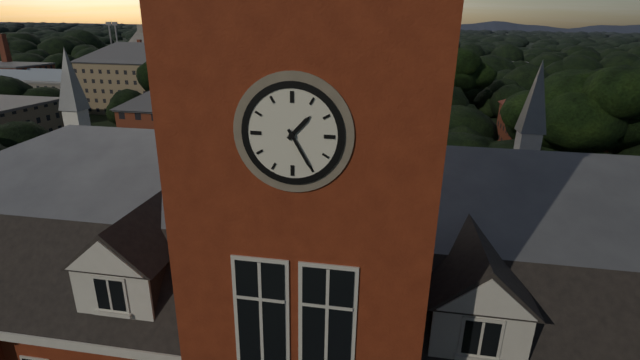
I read 1.25
